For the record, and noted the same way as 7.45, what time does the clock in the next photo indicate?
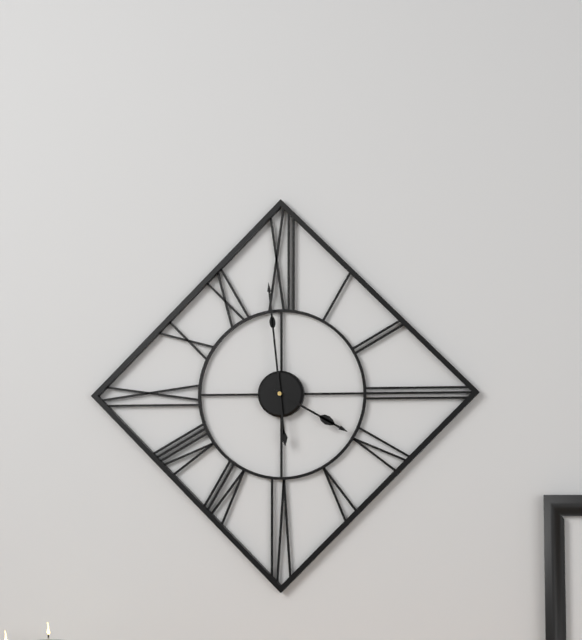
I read 3.59
